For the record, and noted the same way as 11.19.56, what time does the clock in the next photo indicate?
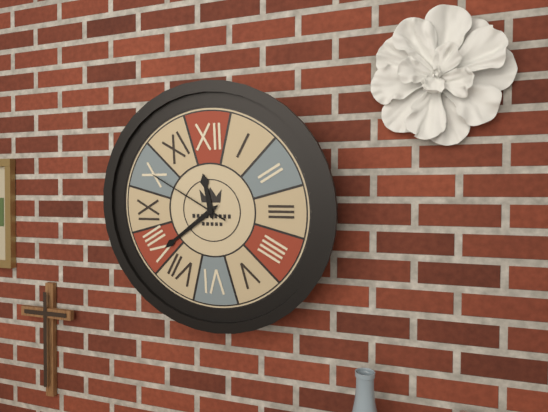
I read 11.39.50
